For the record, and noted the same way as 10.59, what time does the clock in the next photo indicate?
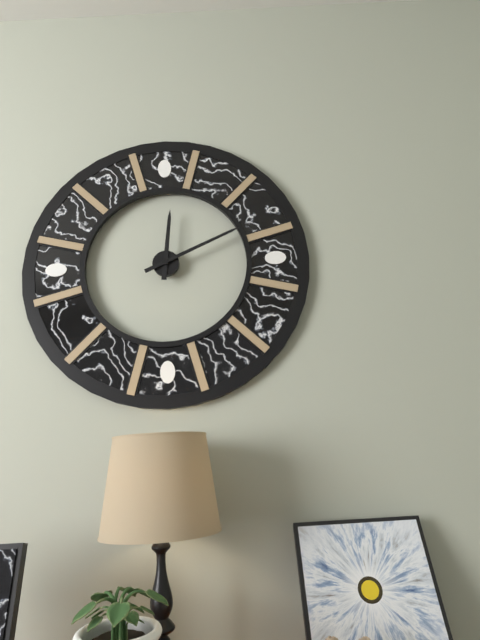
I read 12.11
